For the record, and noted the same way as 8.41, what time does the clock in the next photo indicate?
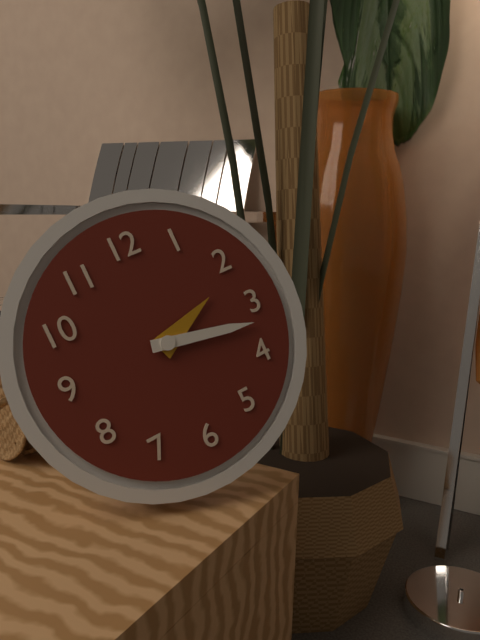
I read 2.17
